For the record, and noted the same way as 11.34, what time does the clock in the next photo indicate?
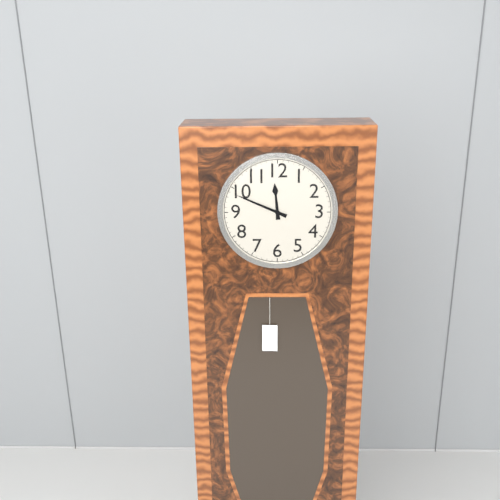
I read 11.49
